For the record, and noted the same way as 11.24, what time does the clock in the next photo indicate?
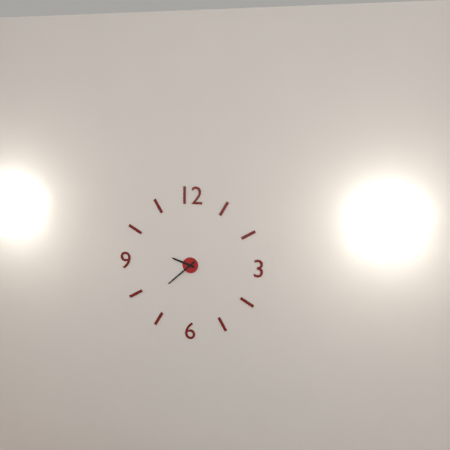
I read 9.38
